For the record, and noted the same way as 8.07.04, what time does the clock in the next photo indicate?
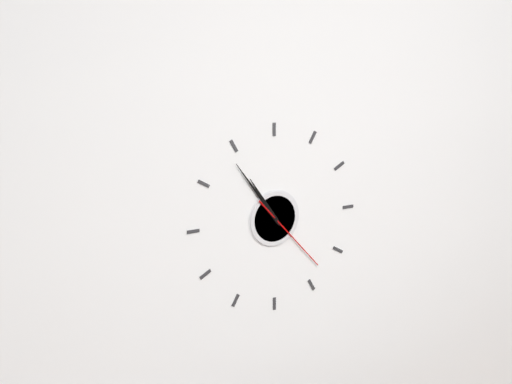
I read 10.54.23
